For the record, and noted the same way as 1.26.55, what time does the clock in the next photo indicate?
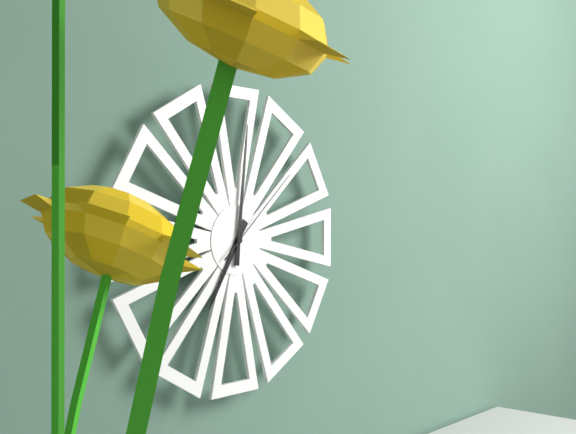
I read 7.01.08
